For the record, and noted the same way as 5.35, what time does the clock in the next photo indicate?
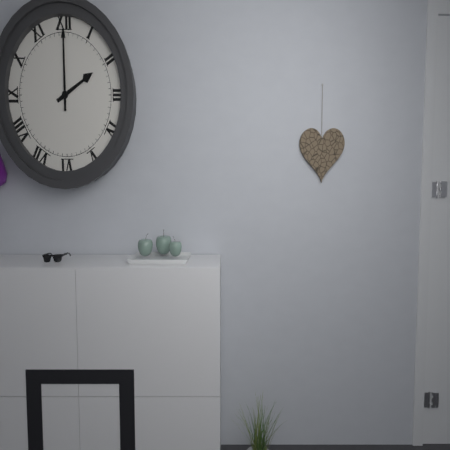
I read 2.00
